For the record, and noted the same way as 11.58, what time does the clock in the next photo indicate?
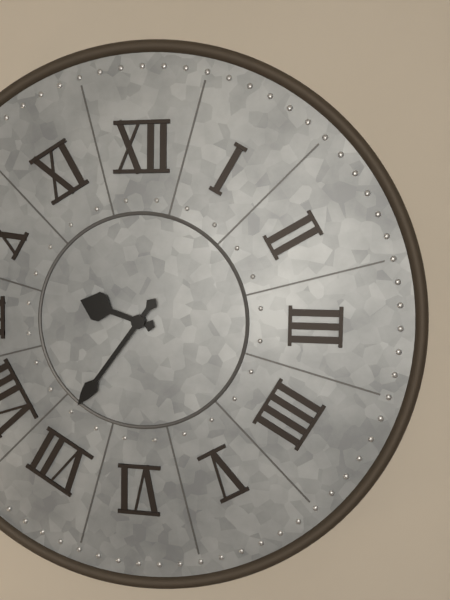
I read 9.36
